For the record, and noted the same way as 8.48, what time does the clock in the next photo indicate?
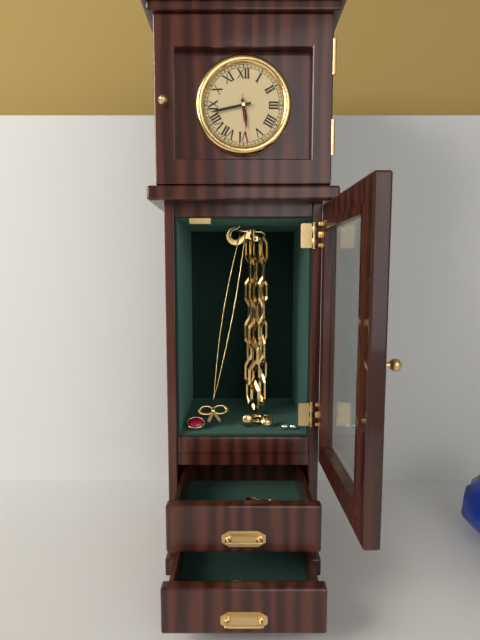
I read 5.43
